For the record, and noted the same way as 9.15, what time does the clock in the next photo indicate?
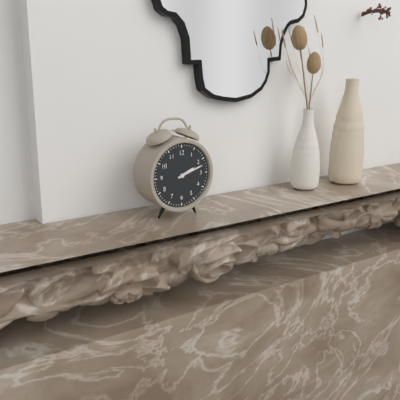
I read 2.12
